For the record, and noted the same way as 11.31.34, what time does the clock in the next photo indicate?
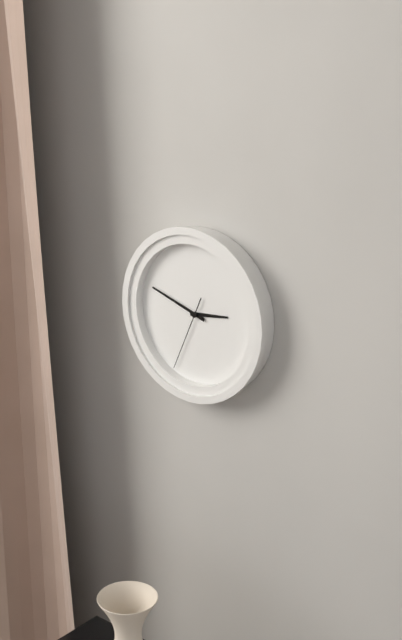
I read 2.48.34
